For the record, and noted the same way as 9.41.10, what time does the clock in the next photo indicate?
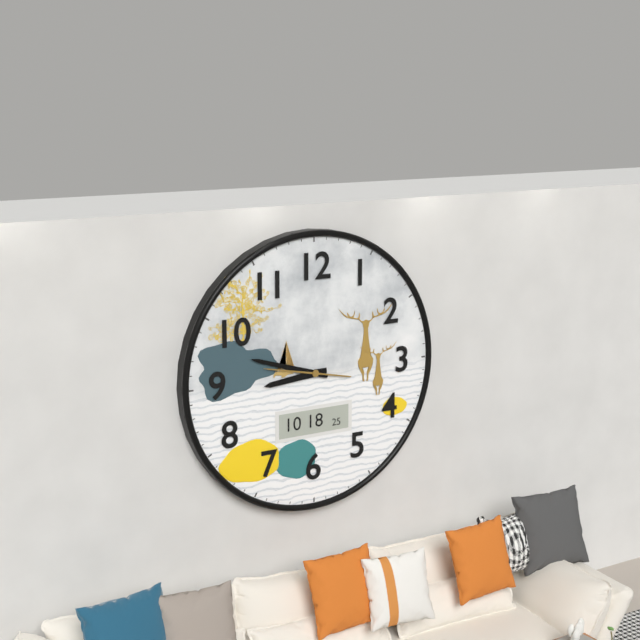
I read 8.48.47
